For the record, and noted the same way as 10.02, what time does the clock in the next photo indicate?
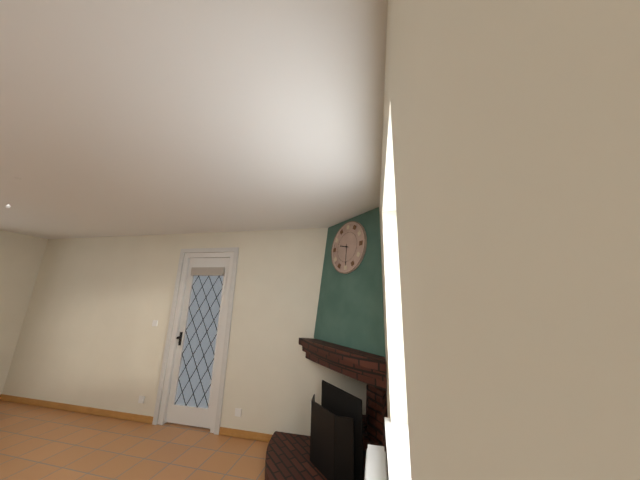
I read 9.30
